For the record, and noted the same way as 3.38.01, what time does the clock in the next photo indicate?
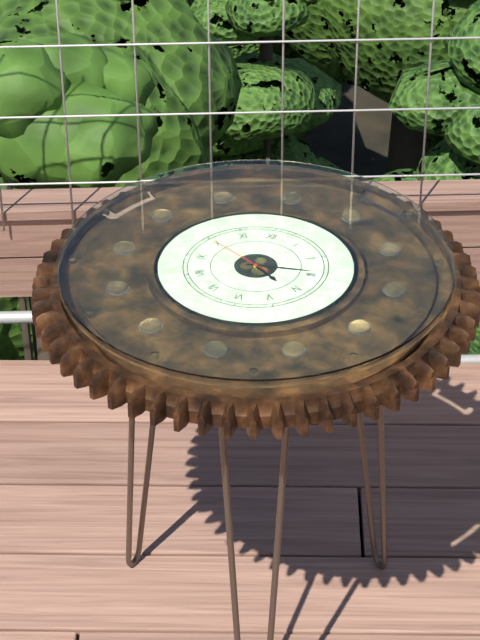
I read 4.14.50
